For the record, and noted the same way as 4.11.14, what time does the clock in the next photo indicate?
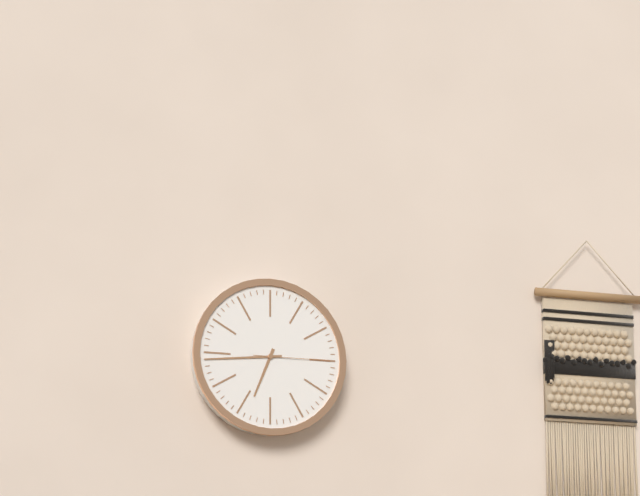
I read 6.44.15
